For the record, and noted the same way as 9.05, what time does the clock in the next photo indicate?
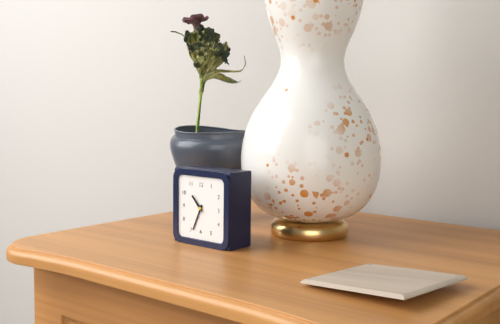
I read 10.34
